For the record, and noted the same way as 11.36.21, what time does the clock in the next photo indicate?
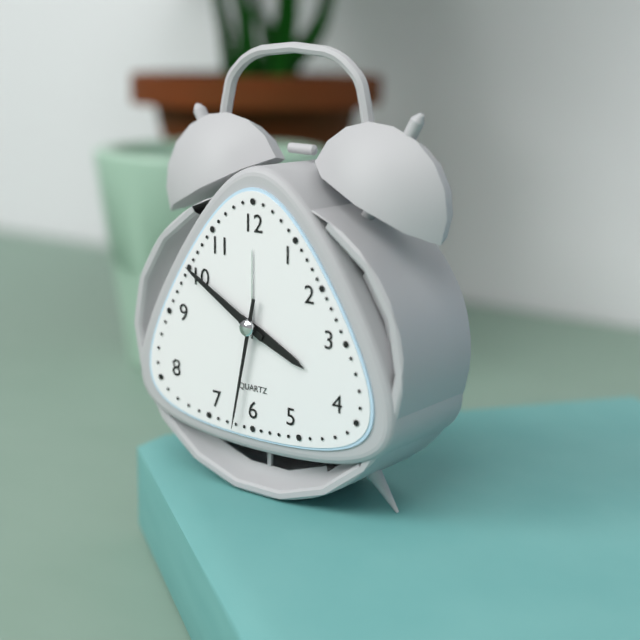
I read 3.50.32
